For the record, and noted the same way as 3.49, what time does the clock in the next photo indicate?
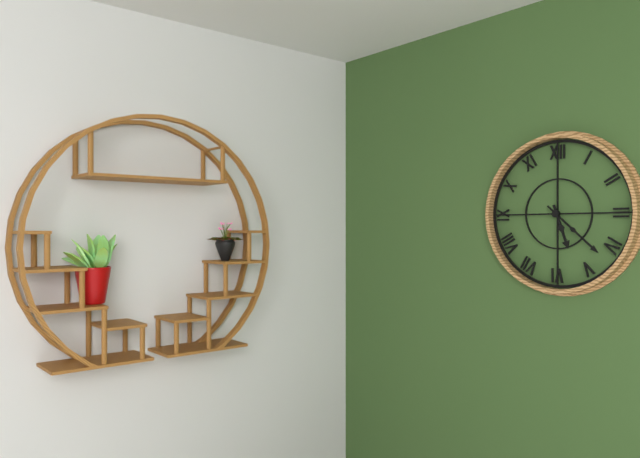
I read 5.22
